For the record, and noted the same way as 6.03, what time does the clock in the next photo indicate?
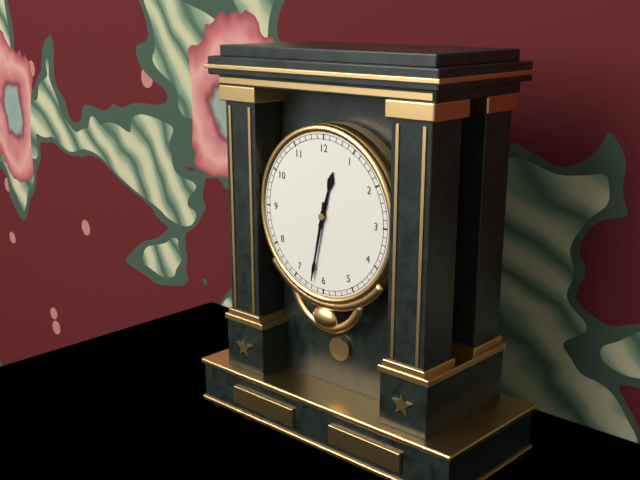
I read 12.32
